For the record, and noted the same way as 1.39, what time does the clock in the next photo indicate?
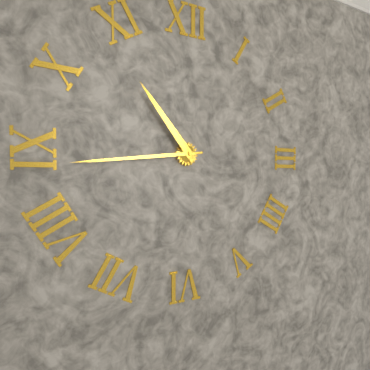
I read 10.44
